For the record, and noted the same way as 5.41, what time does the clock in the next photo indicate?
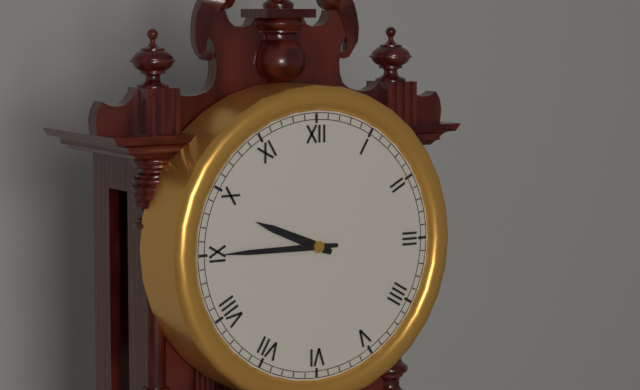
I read 9.45
